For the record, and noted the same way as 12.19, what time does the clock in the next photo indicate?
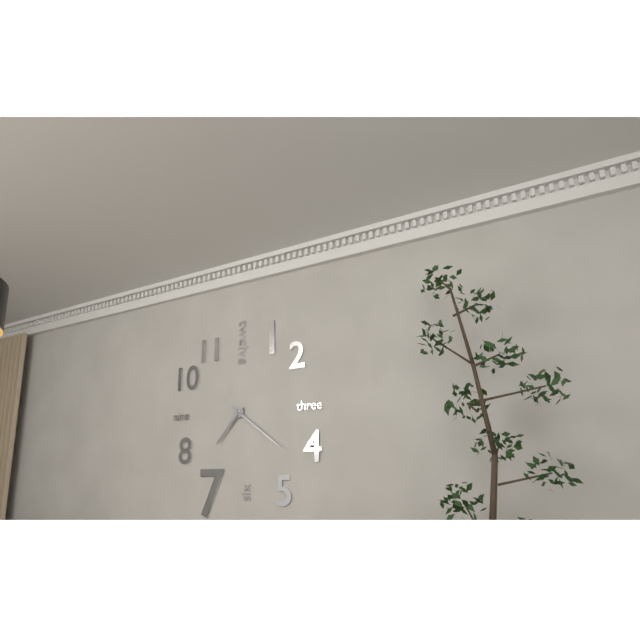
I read 7.21
